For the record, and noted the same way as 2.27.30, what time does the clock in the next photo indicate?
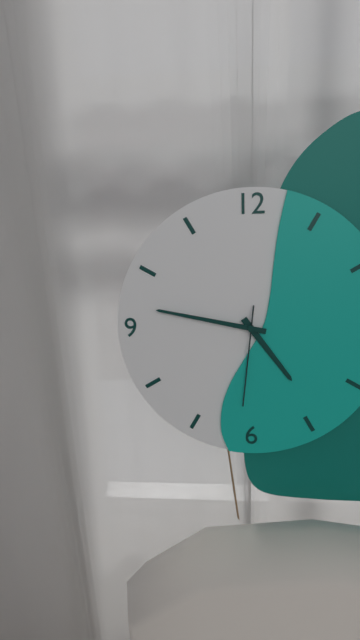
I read 4.47.31
